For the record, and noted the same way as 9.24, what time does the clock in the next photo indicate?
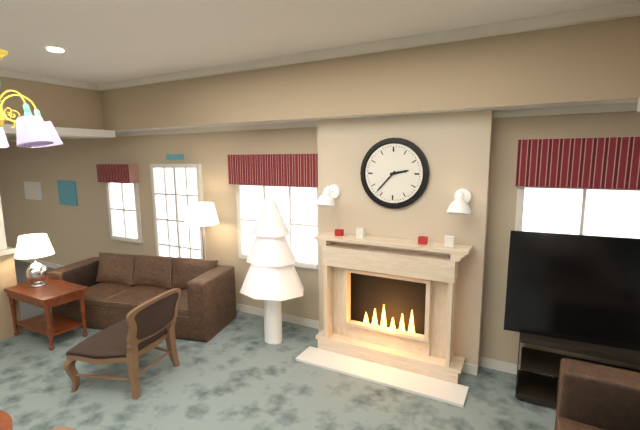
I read 2.37
